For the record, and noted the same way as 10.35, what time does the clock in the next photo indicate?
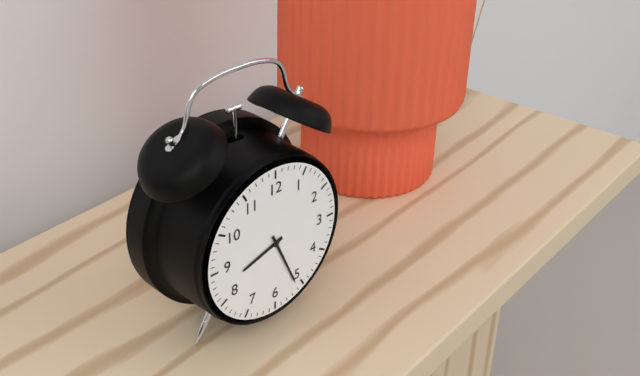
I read 8.26
